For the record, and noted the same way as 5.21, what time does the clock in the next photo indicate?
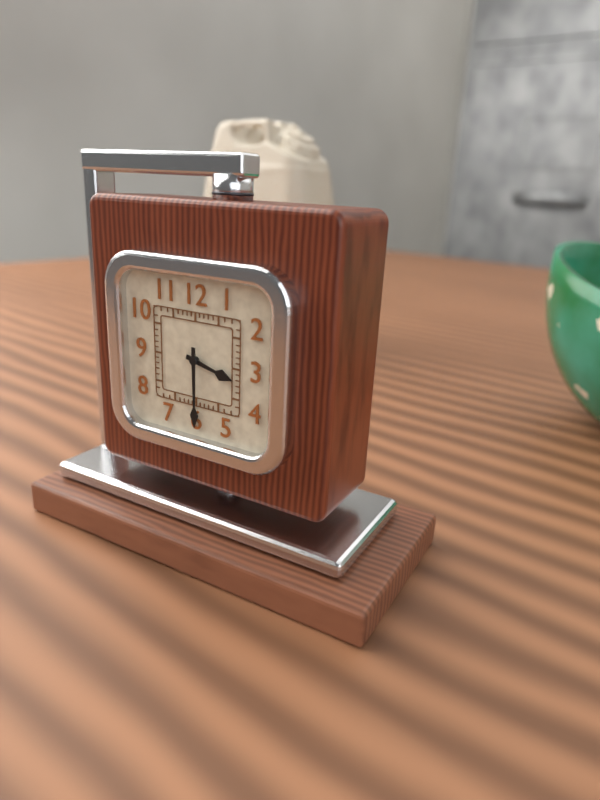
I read 3.30
